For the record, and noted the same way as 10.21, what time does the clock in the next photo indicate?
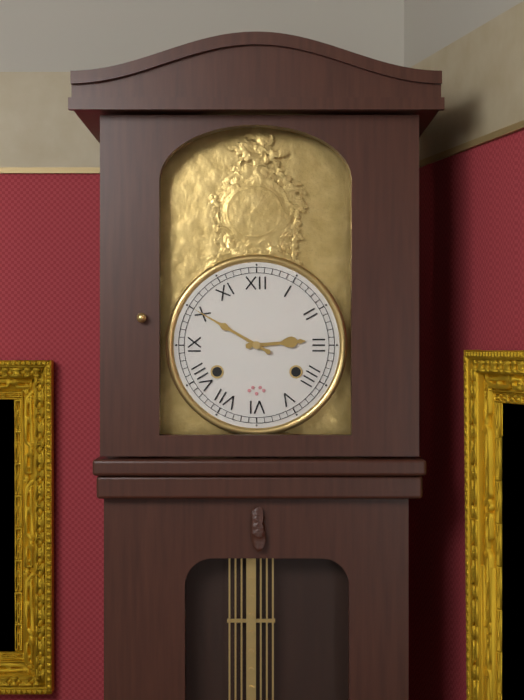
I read 2.50
